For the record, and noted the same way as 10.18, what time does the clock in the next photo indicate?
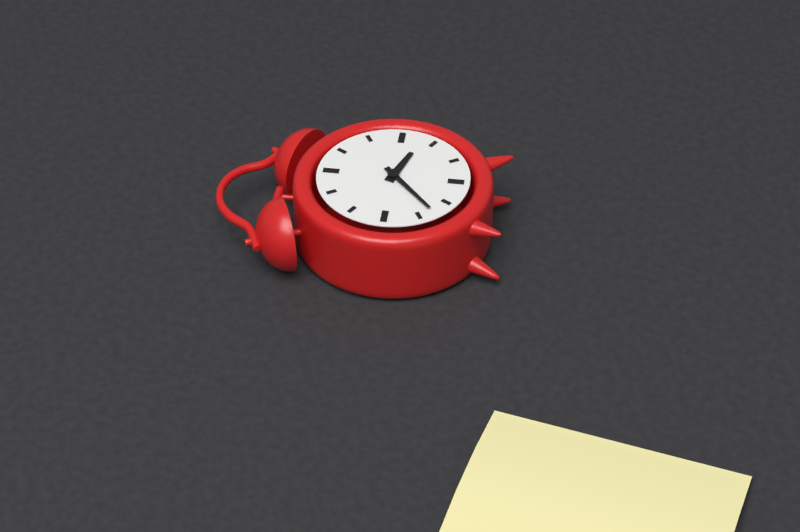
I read 3.38
